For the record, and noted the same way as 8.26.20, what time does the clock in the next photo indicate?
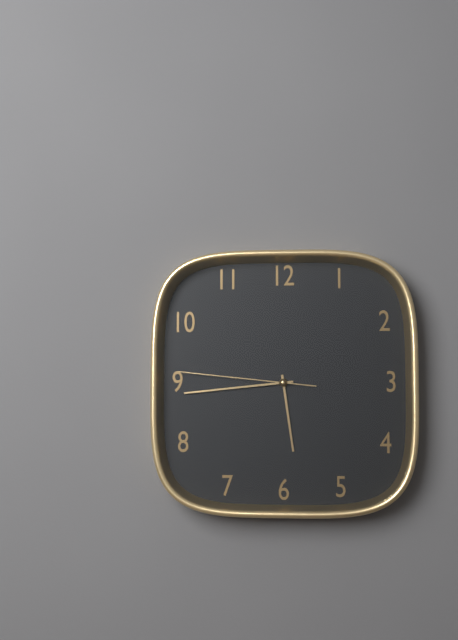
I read 5.44.46
